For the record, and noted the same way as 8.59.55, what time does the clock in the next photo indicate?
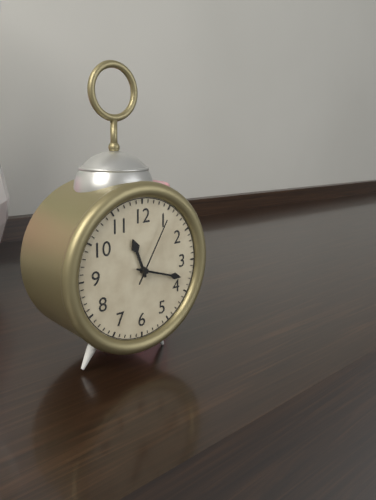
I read 11.18.05
